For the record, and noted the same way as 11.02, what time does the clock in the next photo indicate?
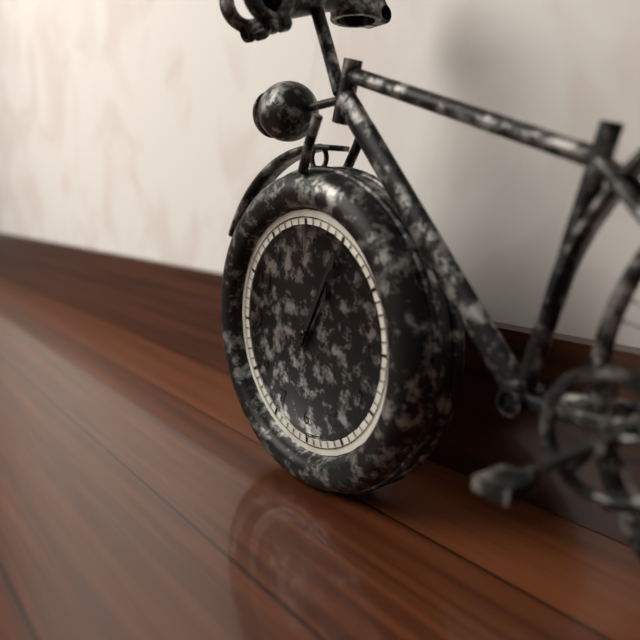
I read 1.05
